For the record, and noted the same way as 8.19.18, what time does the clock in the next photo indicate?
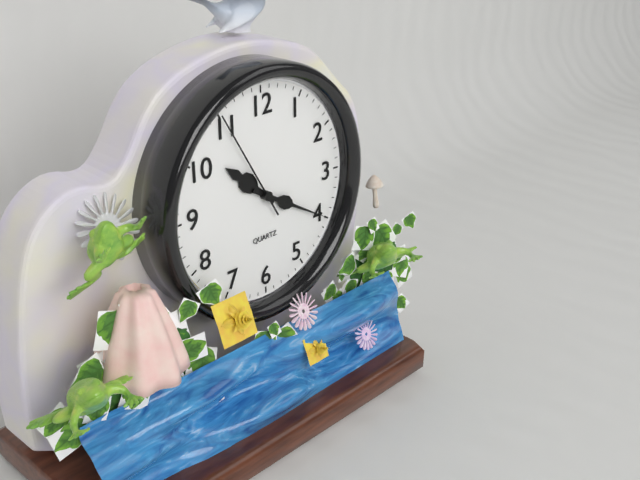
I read 10.20.55
